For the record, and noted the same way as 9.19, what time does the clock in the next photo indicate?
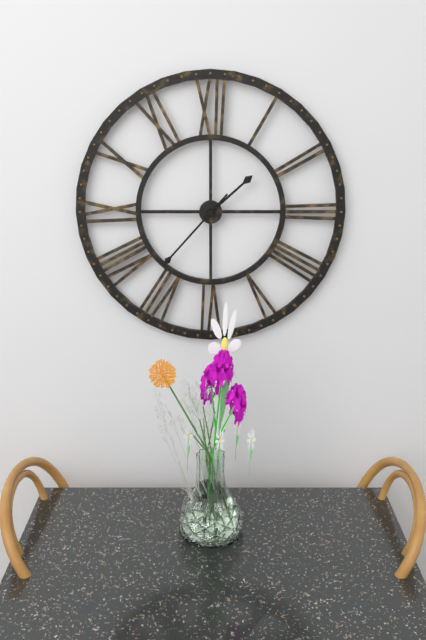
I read 1.37
